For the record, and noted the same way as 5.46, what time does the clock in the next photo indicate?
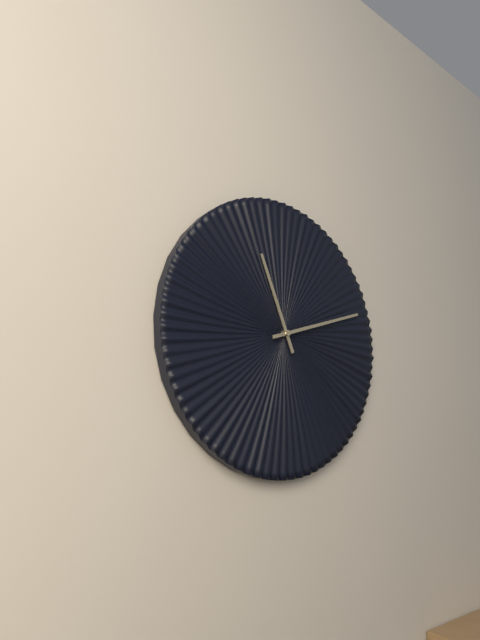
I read 11.12
